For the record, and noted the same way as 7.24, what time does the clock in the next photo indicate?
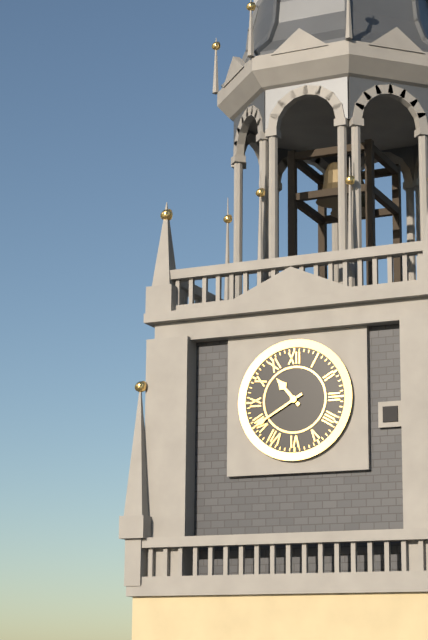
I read 10.40
